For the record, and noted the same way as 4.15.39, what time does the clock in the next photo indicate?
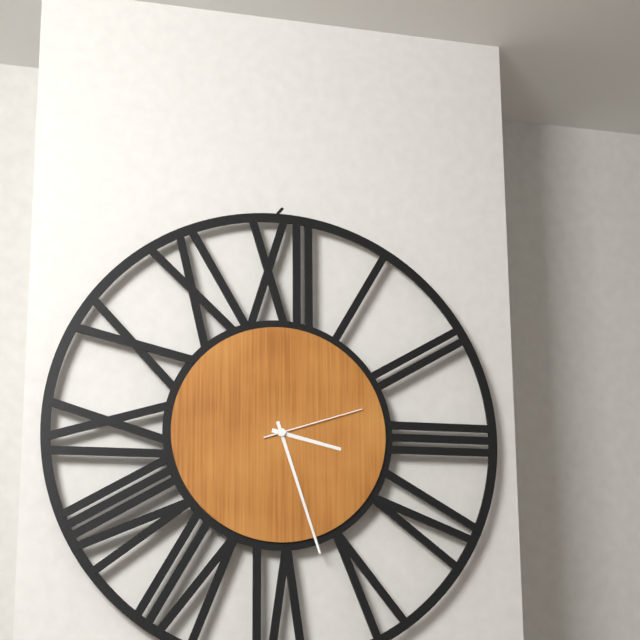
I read 3.27.12
